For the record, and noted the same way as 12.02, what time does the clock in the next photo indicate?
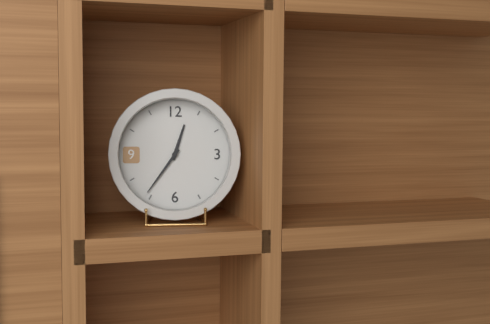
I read 12.36
